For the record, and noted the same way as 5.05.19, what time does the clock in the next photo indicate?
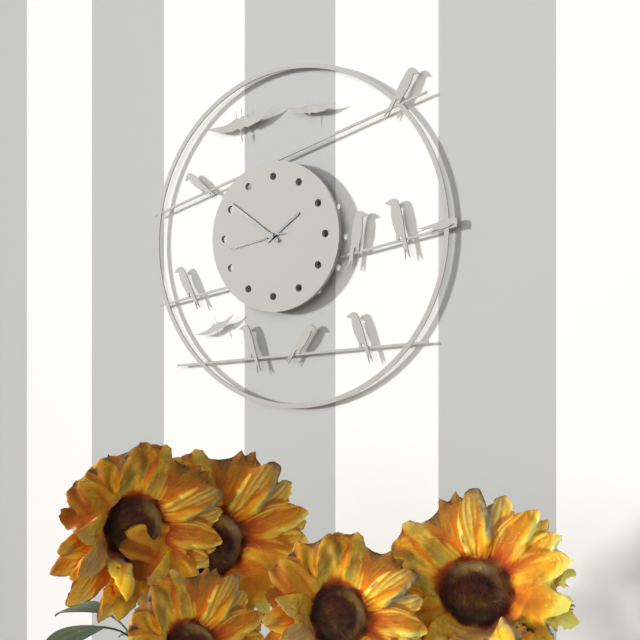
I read 1.51.43
